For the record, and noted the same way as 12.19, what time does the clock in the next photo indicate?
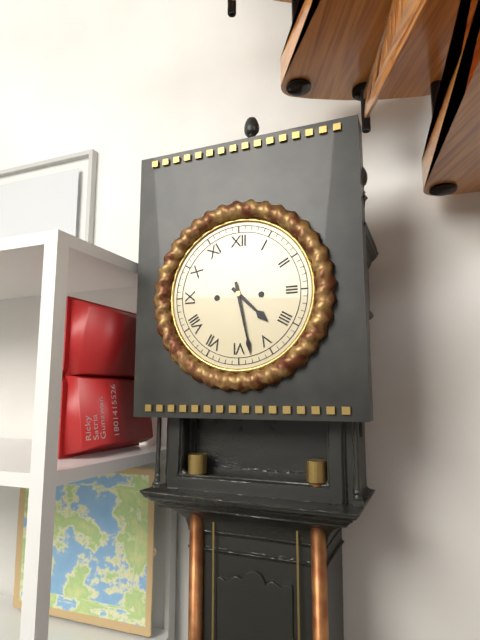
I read 4.28
